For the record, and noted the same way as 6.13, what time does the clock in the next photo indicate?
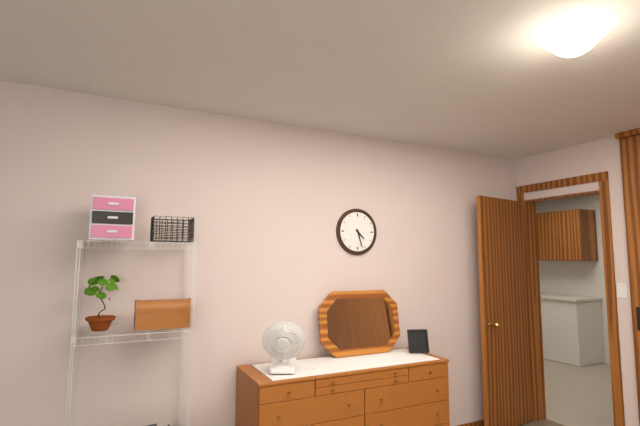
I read 4.27
